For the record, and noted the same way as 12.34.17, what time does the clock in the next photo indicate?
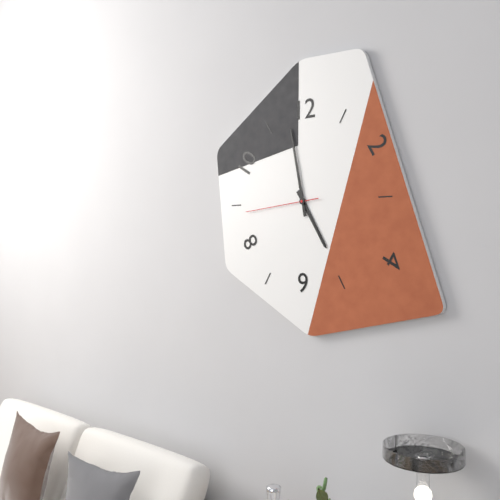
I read 4.58.44
